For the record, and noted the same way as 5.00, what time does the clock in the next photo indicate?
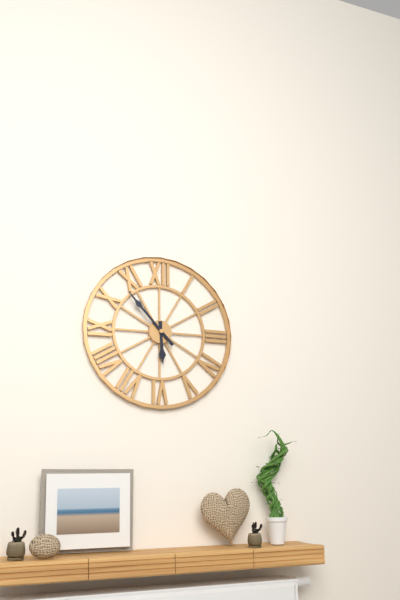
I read 5.53
